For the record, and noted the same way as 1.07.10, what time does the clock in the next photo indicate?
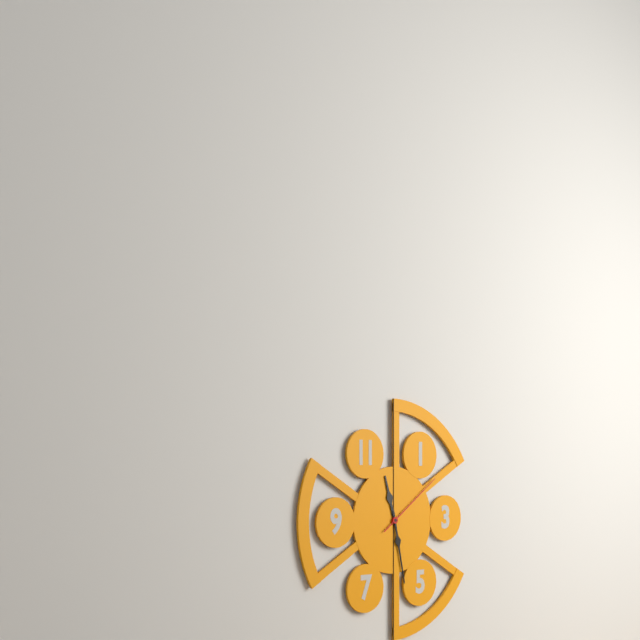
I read 11.28.09
